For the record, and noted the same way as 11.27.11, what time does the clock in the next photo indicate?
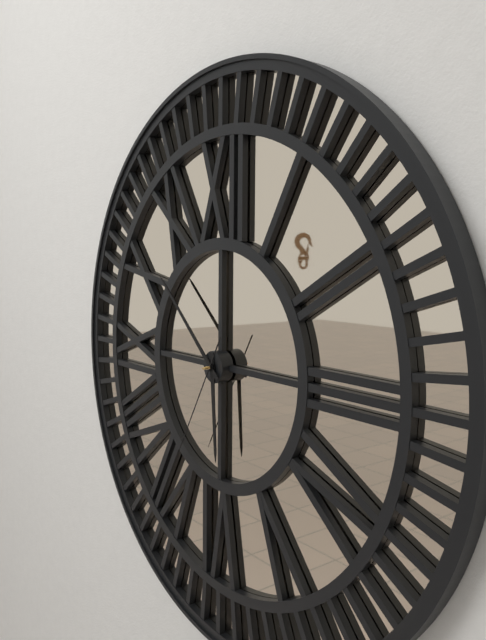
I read 5.52.35
